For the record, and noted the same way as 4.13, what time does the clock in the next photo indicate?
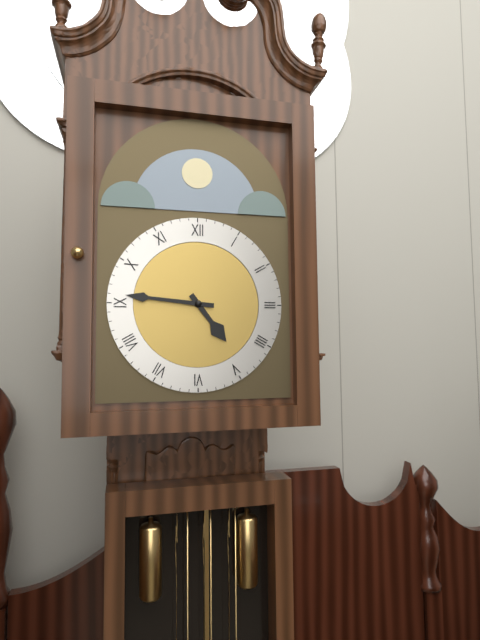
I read 4.46
